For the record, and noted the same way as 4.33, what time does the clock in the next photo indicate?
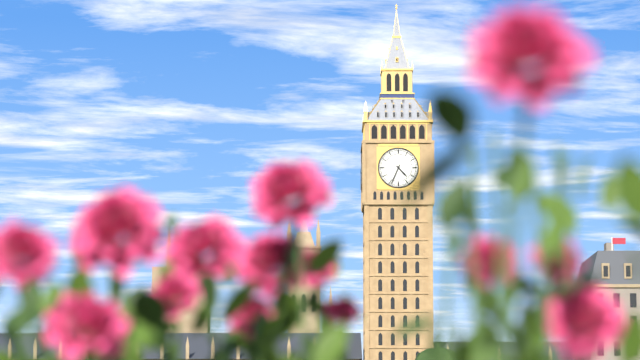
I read 4.34
